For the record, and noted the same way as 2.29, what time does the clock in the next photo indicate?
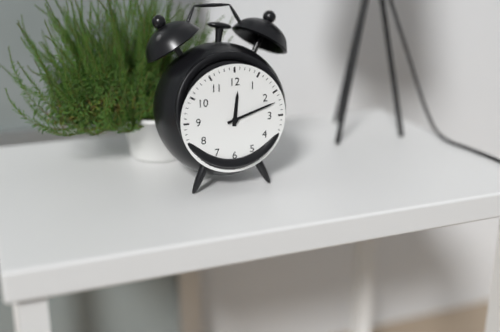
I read 12.12
